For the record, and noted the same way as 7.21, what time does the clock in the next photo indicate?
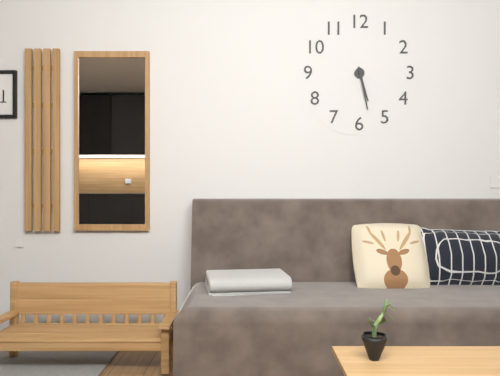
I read 5.28
